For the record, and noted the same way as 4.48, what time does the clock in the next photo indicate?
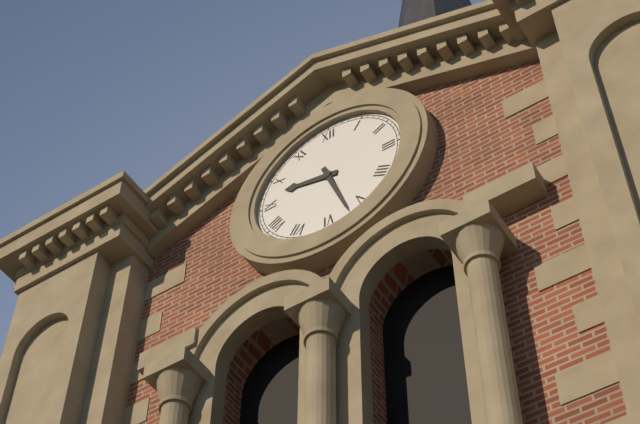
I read 9.27
